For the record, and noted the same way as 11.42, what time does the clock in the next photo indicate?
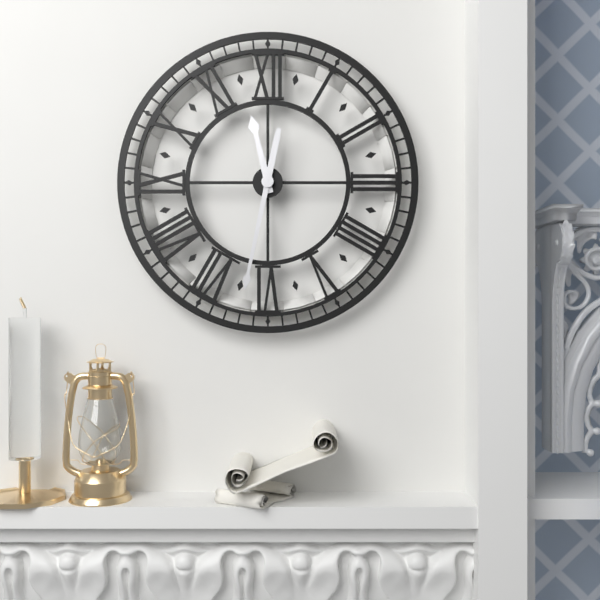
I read 11.32
